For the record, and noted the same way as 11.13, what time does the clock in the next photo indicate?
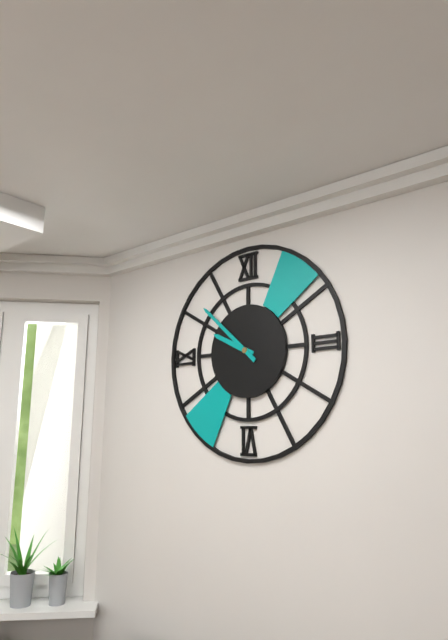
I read 9.52
